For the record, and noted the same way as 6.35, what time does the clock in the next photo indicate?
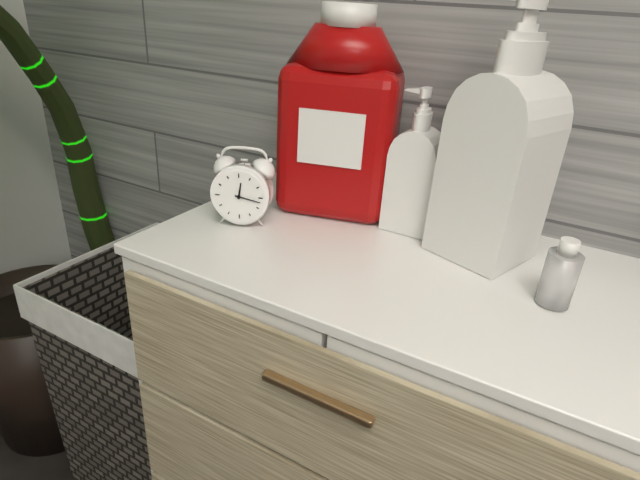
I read 12.17
